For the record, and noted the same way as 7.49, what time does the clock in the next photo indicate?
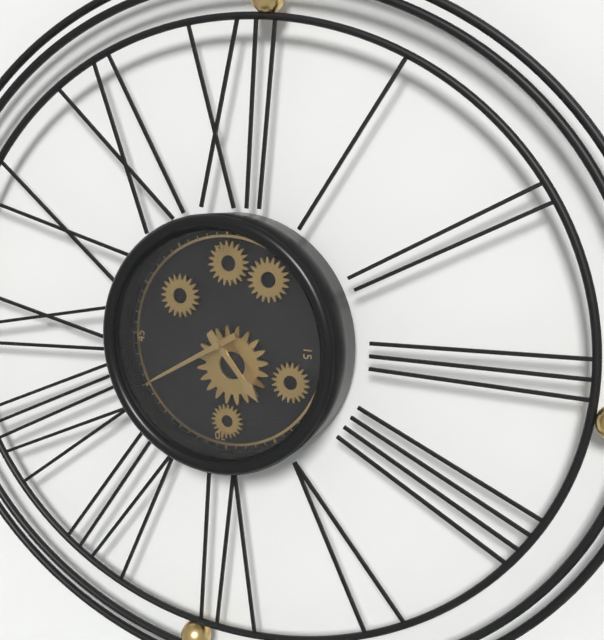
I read 4.40
